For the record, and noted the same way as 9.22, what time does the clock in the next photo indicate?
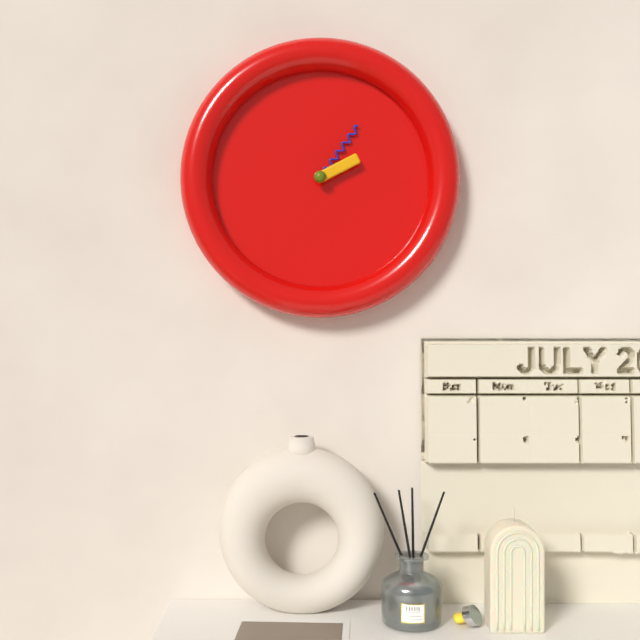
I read 2.06
